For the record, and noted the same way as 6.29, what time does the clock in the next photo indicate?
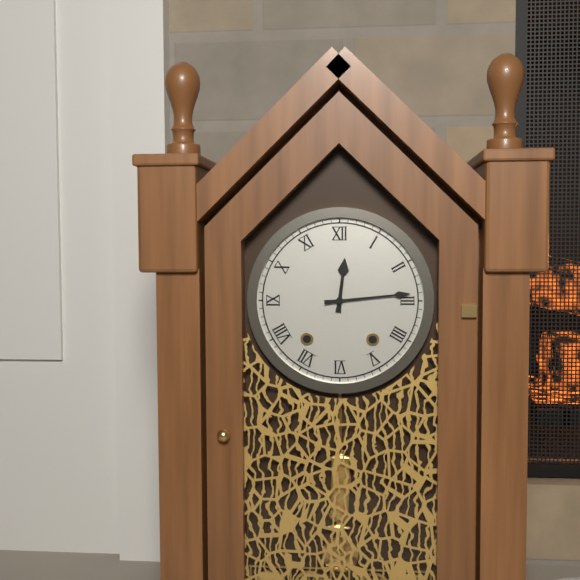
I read 12.14
